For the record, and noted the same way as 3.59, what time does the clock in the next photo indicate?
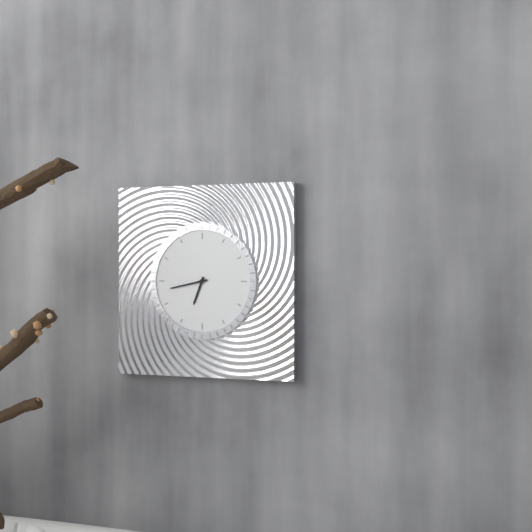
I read 6.43
